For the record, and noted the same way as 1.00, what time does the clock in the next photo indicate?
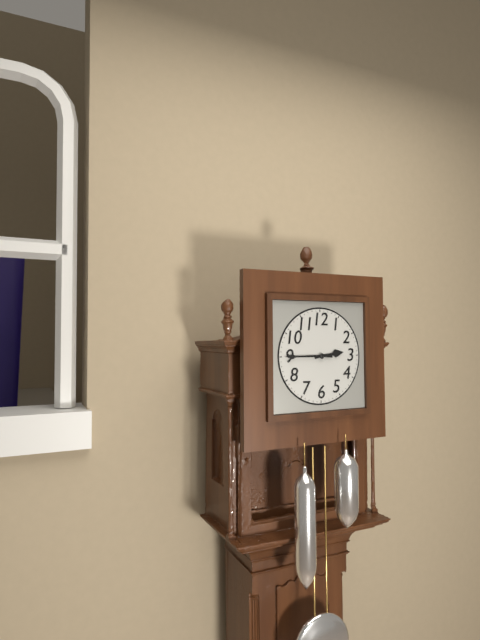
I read 2.45
